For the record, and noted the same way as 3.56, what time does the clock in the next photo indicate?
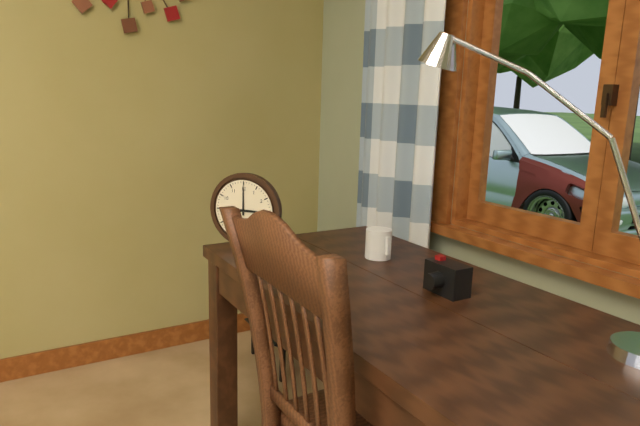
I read 3.00
